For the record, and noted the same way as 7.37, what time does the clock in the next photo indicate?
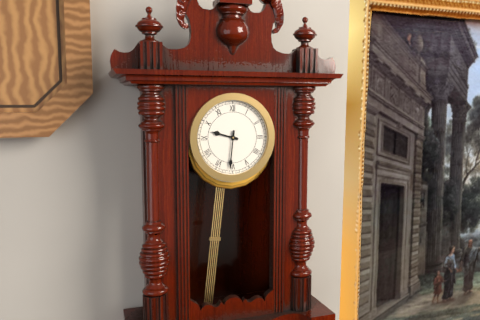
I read 9.31
